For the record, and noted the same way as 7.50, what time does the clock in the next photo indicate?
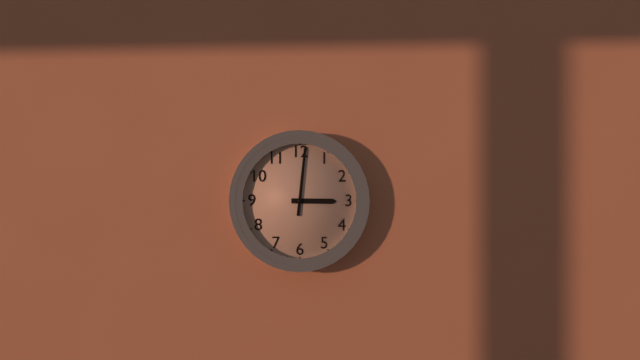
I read 3.01
